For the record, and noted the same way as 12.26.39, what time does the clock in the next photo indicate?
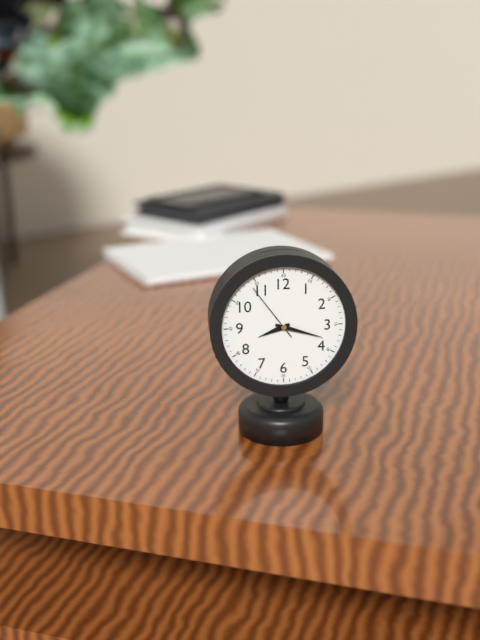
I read 8.18.54
